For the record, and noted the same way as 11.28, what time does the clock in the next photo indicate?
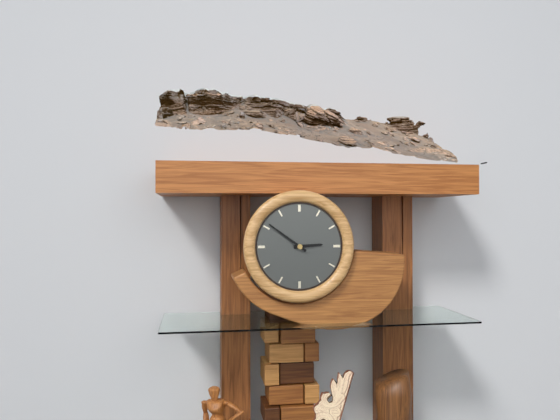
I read 2.51
